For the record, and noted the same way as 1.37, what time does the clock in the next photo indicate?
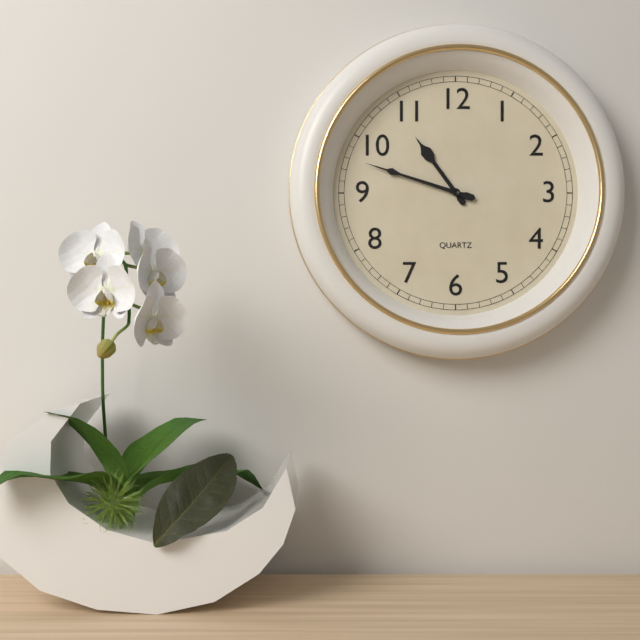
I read 10.48
